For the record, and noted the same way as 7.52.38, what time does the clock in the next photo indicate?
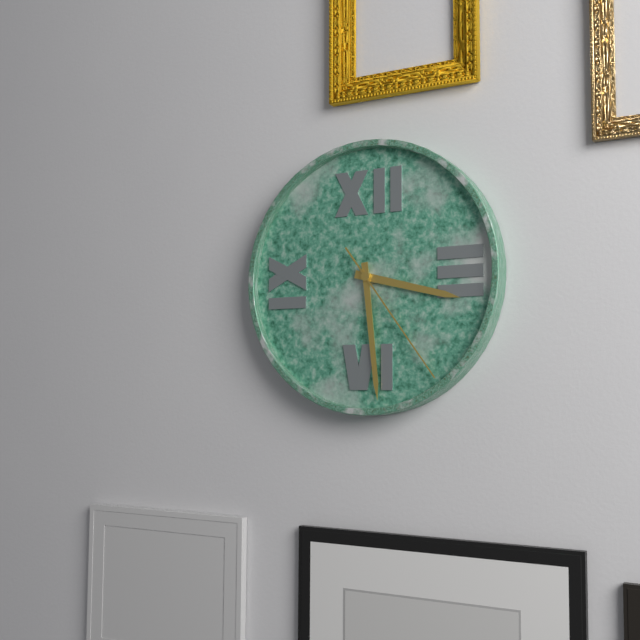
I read 3.29.24
